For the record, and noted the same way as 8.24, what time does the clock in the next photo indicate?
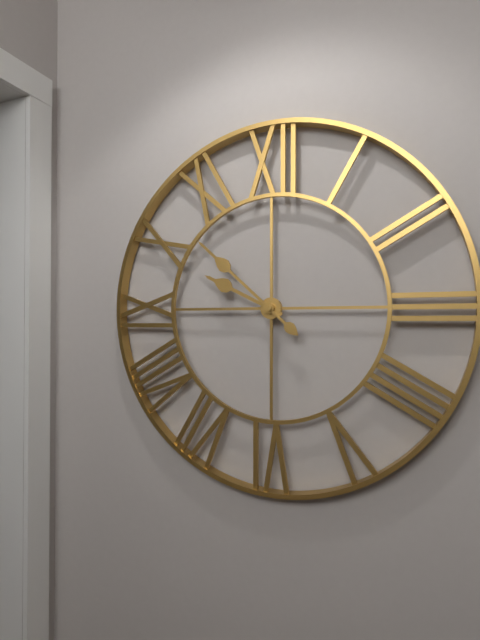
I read 9.52
